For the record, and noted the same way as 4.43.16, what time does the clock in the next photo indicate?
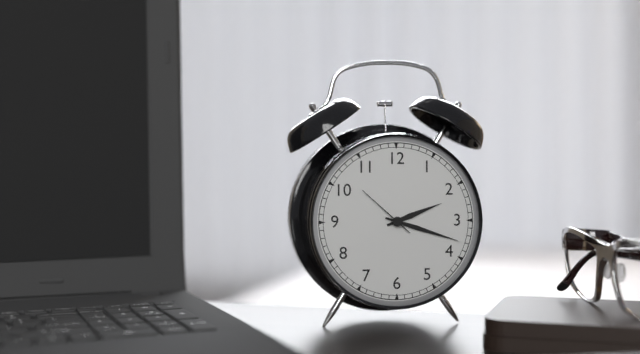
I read 2.18.52
